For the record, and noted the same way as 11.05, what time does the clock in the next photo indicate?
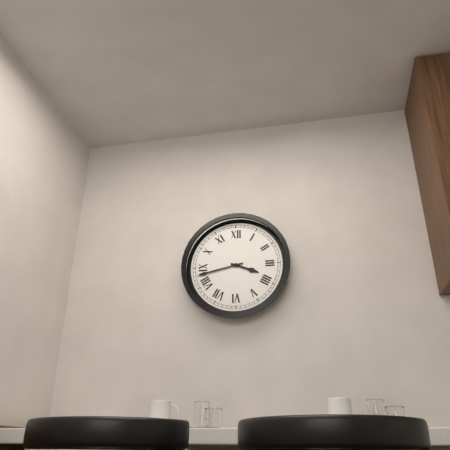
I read 3.43
